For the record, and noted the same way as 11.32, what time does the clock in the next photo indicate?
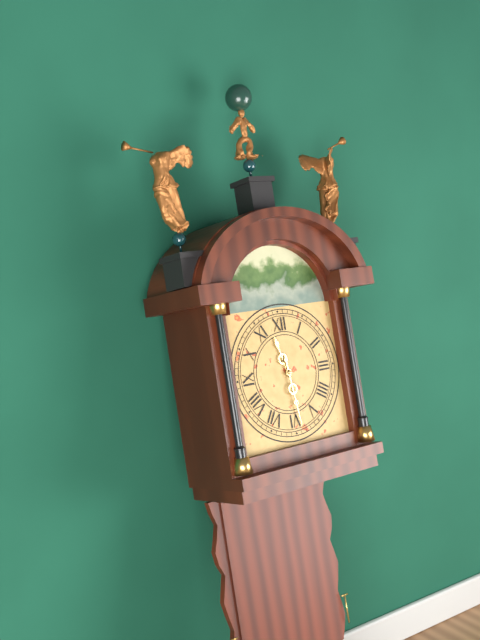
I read 11.29
